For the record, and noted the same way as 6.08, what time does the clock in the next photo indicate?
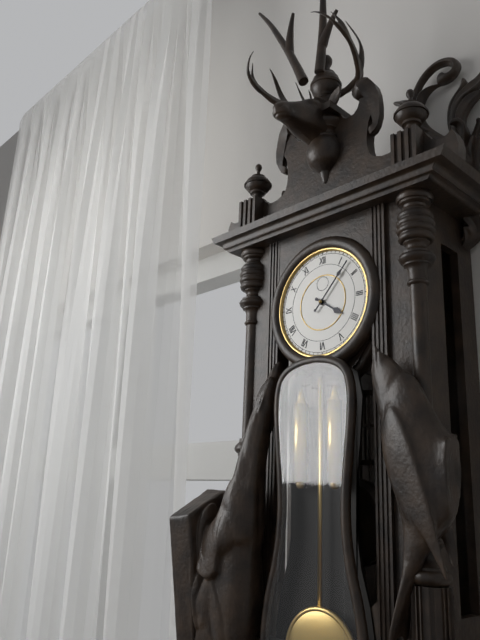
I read 4.07
